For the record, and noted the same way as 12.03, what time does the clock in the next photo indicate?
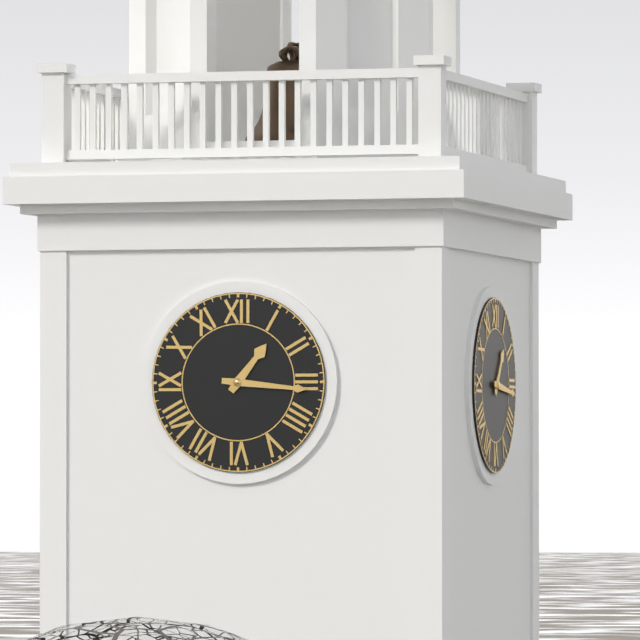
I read 1.16
